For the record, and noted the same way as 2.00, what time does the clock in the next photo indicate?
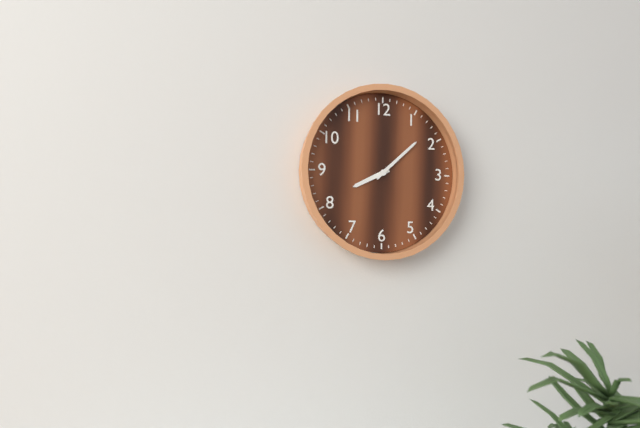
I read 8.08
